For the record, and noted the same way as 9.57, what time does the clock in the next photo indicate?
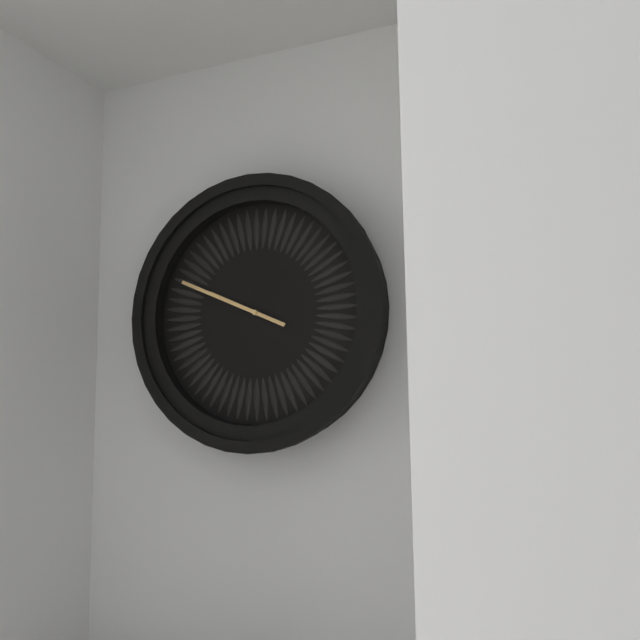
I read 9.49
